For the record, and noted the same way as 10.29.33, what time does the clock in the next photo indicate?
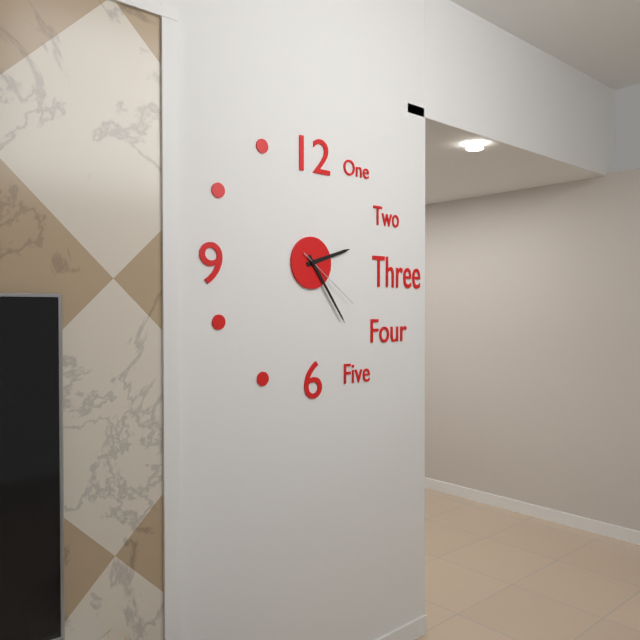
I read 2.24.21
